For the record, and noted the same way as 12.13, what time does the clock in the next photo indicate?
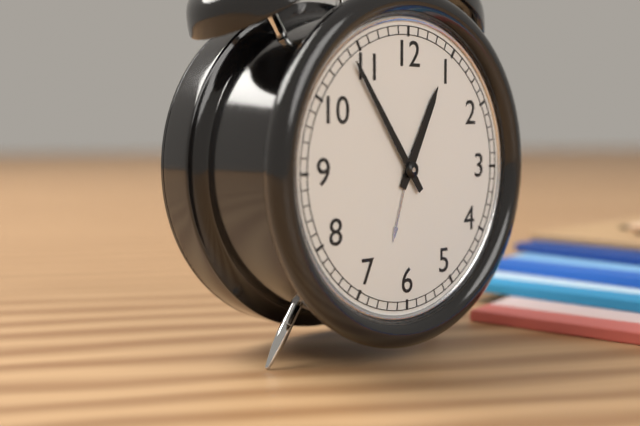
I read 12.54
